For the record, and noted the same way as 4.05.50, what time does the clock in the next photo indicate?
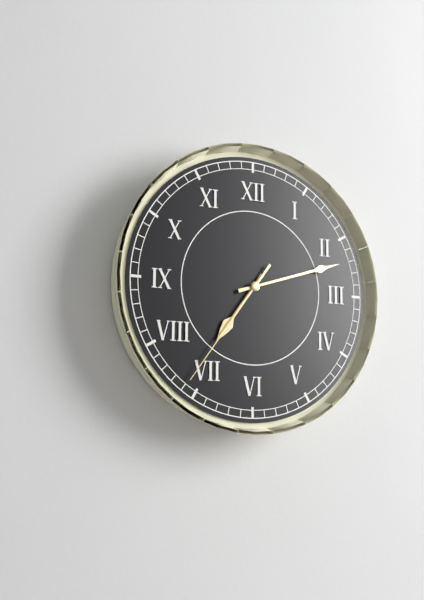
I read 7.12.36
